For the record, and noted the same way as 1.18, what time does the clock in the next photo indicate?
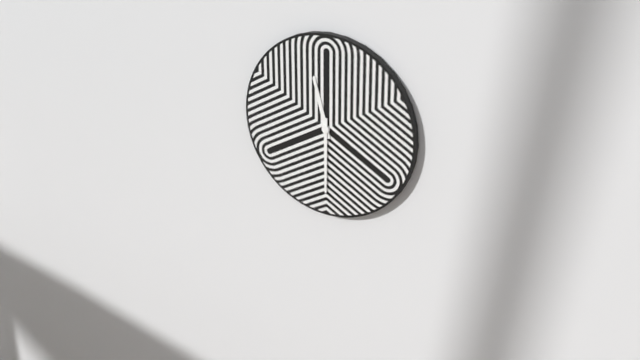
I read 11.30
